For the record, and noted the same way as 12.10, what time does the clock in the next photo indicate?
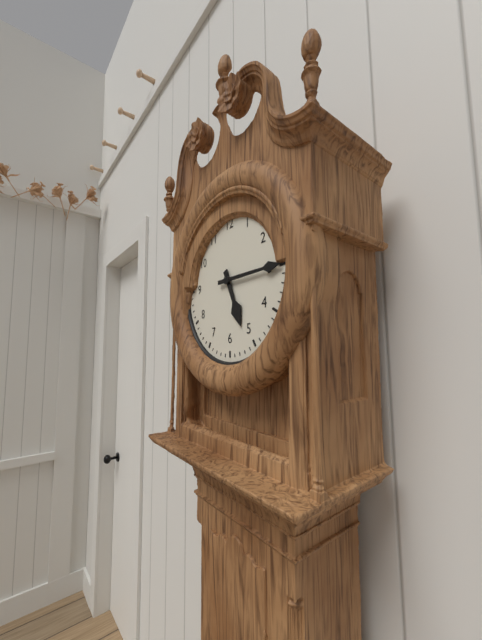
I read 5.15
